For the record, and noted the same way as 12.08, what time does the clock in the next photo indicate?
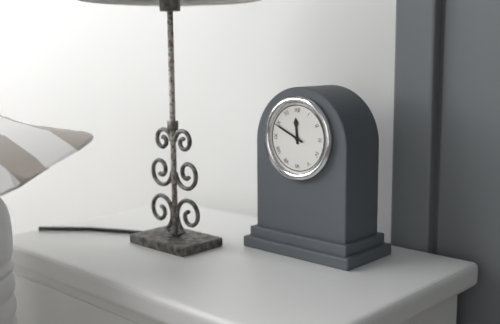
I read 11.49
